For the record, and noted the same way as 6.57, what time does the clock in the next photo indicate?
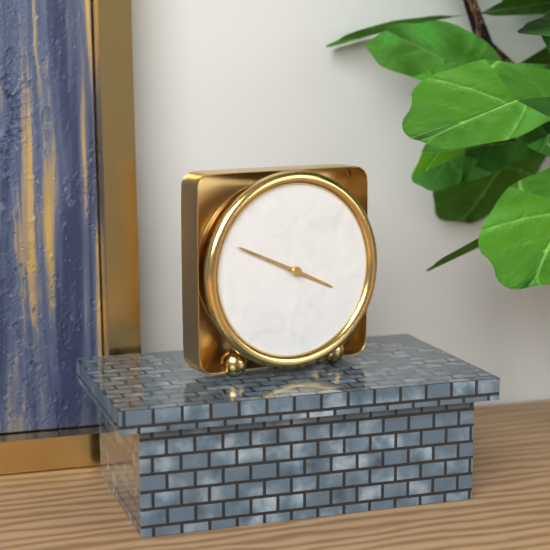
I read 3.49
